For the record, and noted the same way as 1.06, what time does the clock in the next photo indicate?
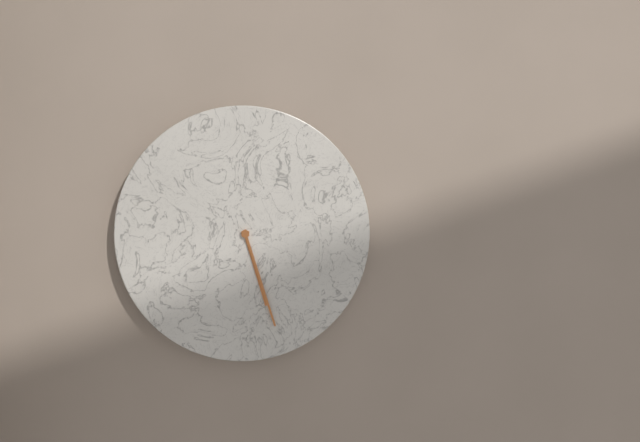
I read 5.27
